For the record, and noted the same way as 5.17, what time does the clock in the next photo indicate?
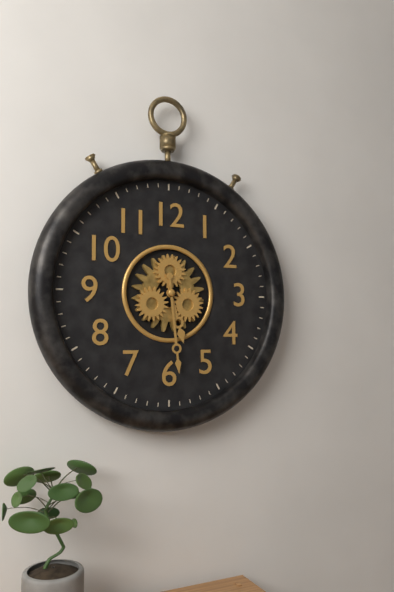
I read 5.29
